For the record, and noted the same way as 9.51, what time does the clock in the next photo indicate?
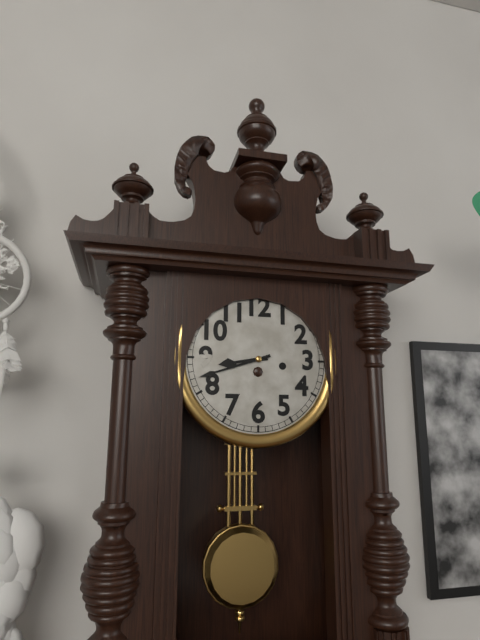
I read 8.42
